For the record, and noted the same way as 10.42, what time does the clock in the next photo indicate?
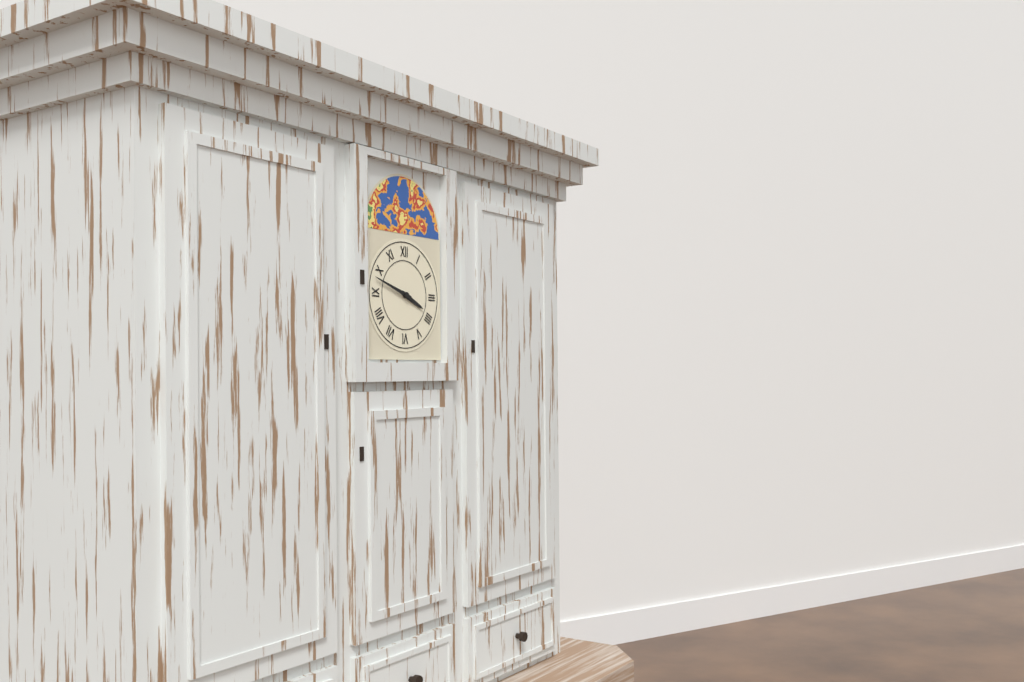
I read 3.48
